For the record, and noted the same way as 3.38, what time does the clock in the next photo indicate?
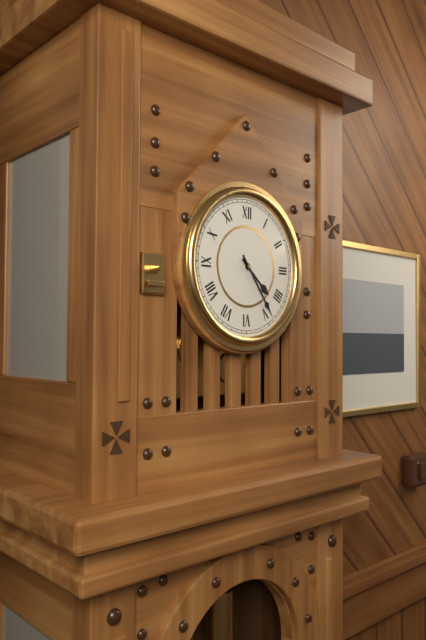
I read 4.24
